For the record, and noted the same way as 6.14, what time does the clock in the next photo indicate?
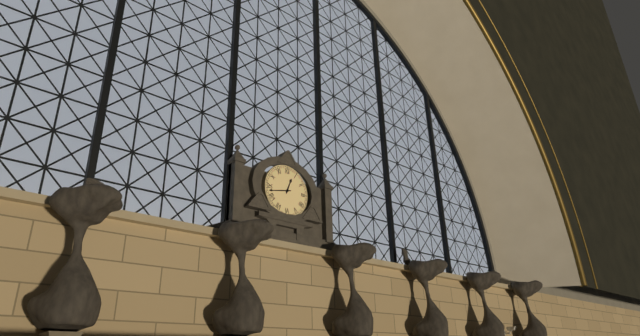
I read 12.43
